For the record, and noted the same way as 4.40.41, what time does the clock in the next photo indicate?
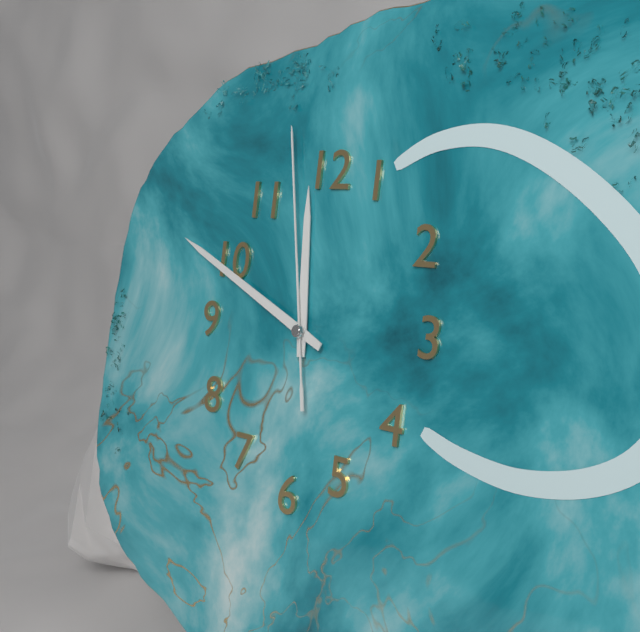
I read 11.49.58
